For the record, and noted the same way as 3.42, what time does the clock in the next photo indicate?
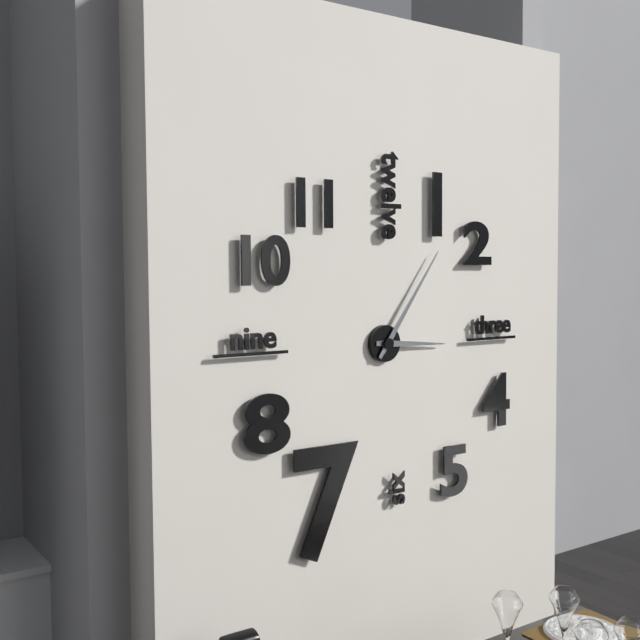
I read 3.06
